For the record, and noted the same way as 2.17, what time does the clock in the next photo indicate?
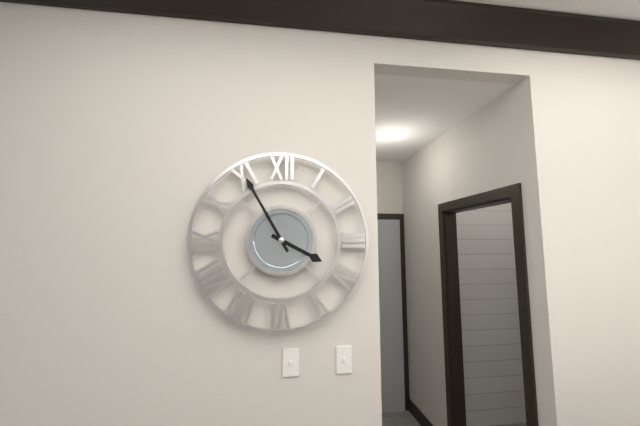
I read 3.55
